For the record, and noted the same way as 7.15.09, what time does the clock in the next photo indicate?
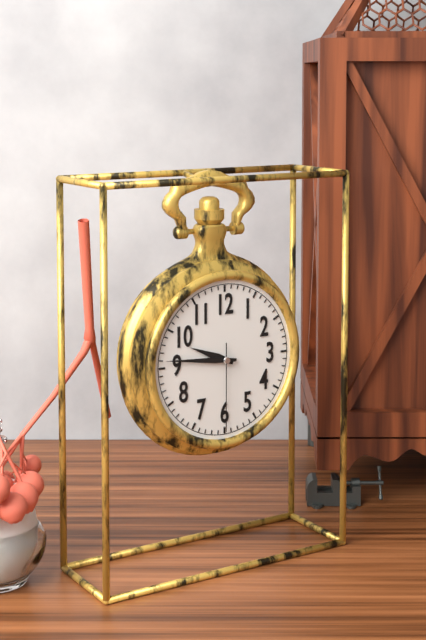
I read 9.46.30
